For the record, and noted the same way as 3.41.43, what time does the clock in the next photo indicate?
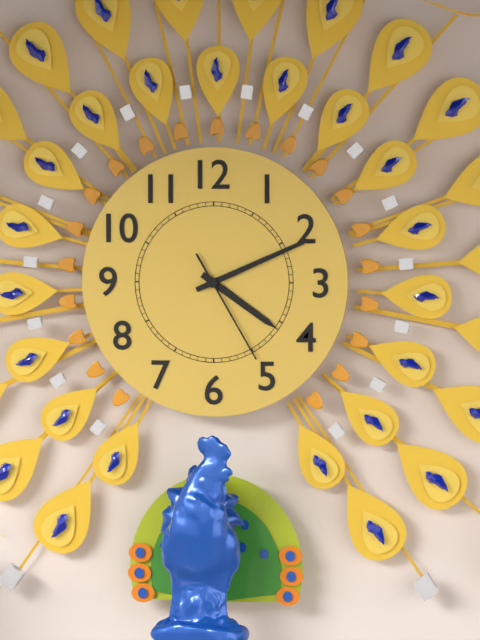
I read 4.11.25
